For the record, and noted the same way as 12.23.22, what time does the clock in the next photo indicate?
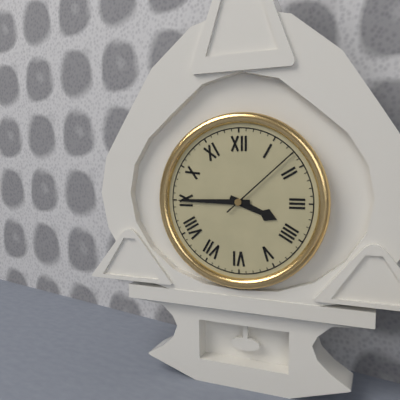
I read 3.45.08
